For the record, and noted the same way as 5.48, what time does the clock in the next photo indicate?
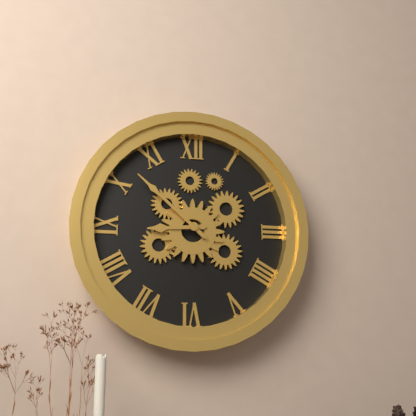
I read 8.52
